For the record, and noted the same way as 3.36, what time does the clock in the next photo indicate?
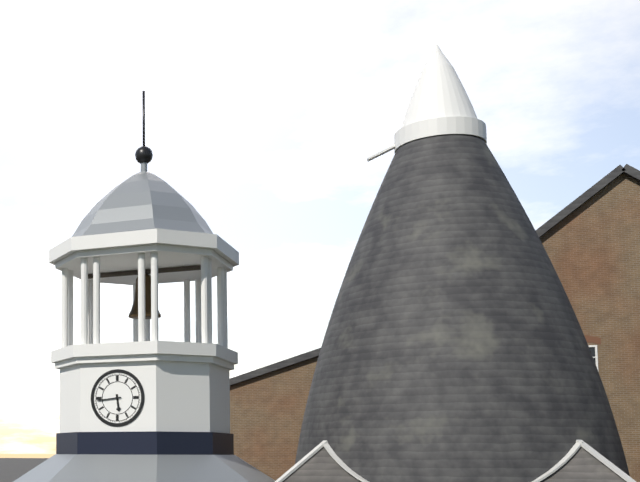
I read 5.44
